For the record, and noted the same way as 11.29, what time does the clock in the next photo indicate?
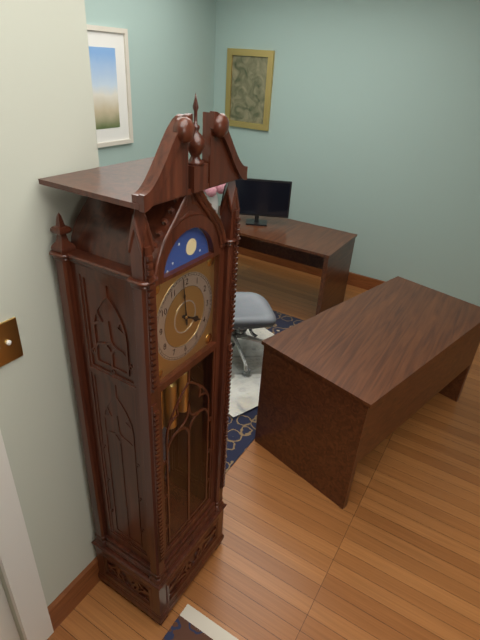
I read 3.59
